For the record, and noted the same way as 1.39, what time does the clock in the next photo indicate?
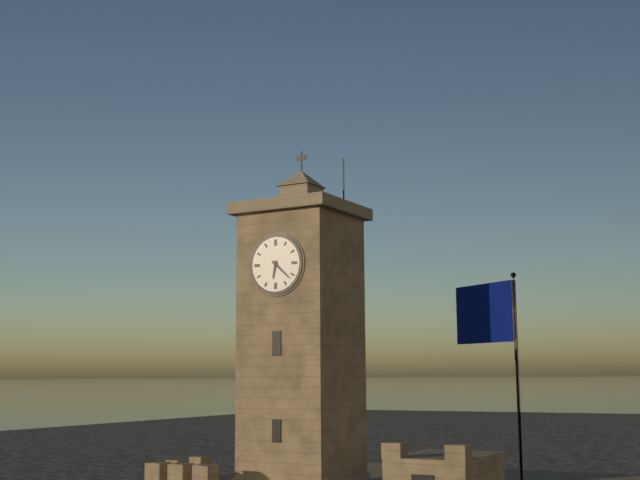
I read 6.22
